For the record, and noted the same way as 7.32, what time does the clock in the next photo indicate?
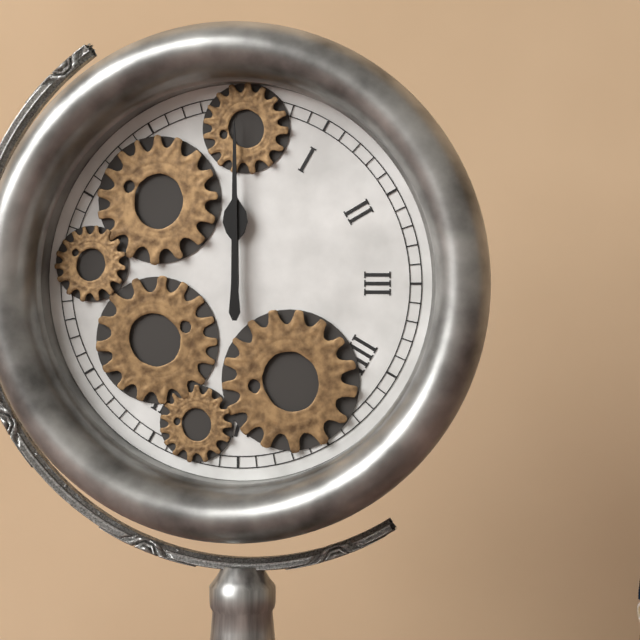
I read 12.00
